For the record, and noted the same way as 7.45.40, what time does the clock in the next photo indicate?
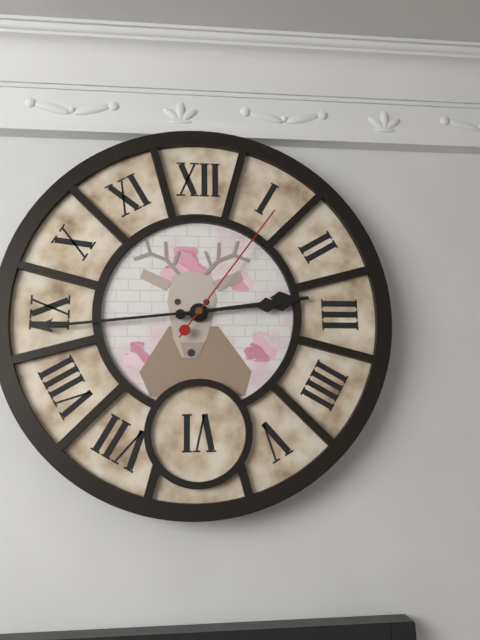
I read 2.44.06
